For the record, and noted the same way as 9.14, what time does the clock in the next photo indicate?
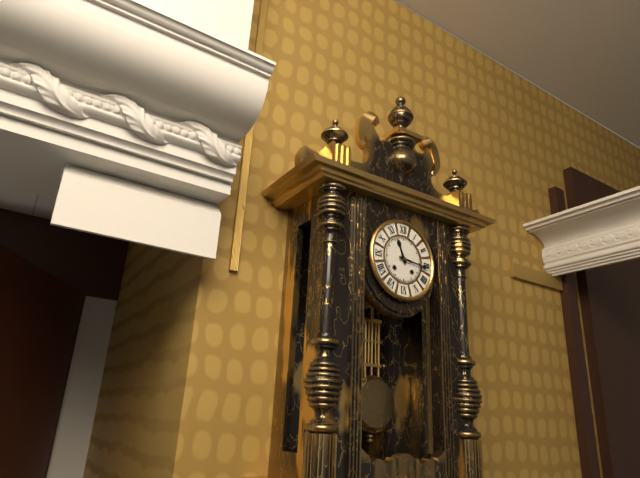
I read 11.16
